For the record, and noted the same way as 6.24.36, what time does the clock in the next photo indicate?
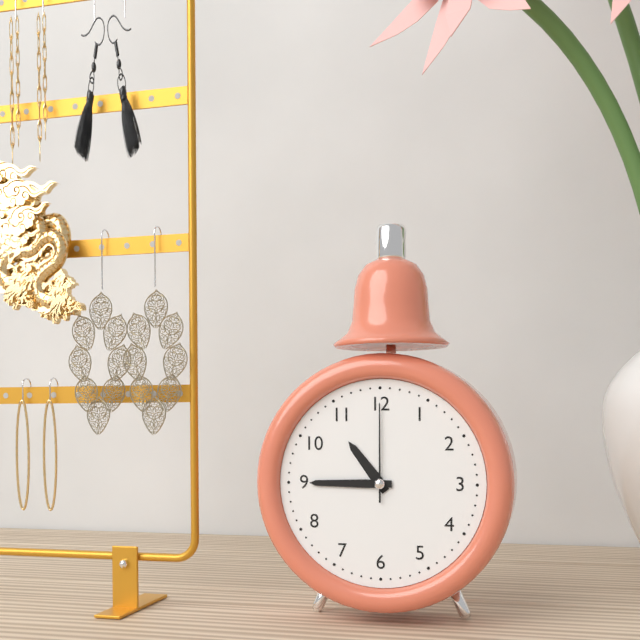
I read 10.45.00
